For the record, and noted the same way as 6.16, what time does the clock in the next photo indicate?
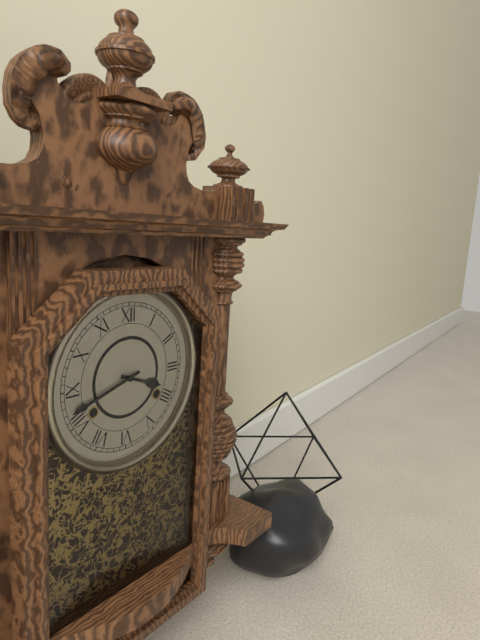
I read 3.42
